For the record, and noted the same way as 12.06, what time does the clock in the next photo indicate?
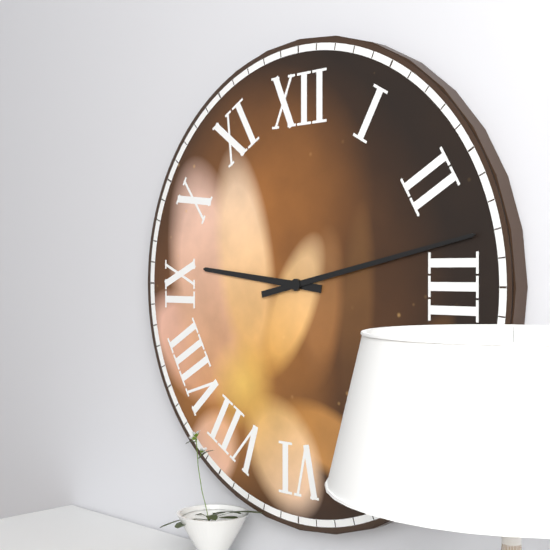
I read 9.13
